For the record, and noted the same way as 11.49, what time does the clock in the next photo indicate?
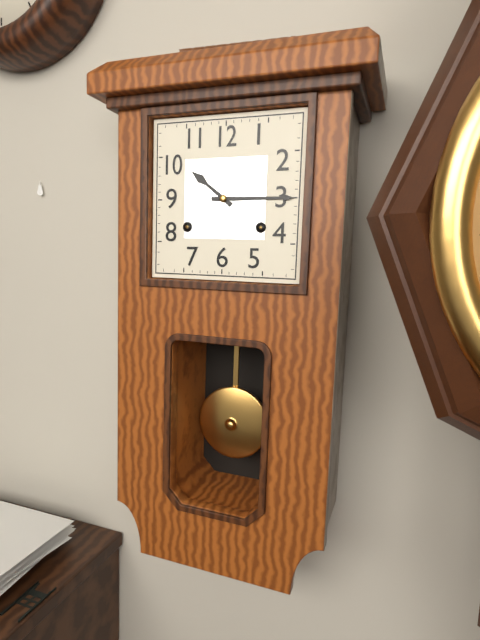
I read 10.15
